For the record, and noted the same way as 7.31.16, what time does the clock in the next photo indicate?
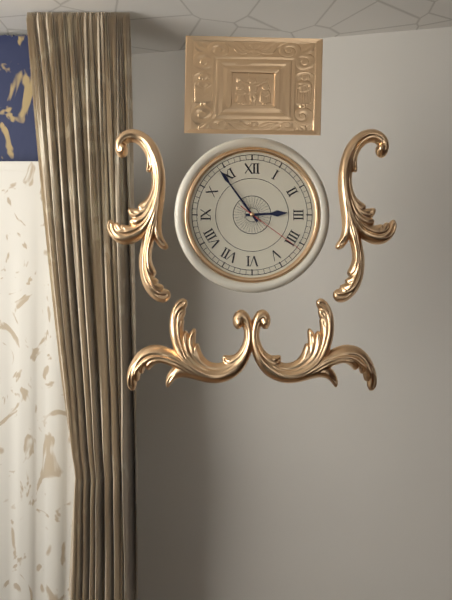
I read 2.54.21
